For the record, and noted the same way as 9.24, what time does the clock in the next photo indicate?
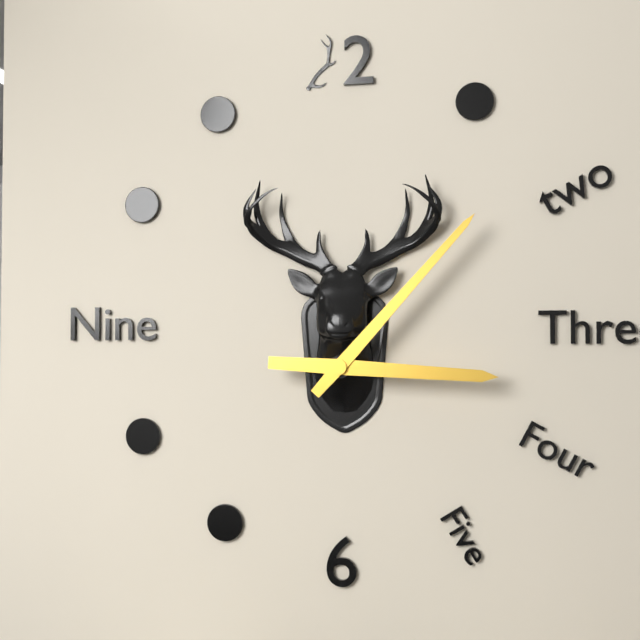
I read 3.07
